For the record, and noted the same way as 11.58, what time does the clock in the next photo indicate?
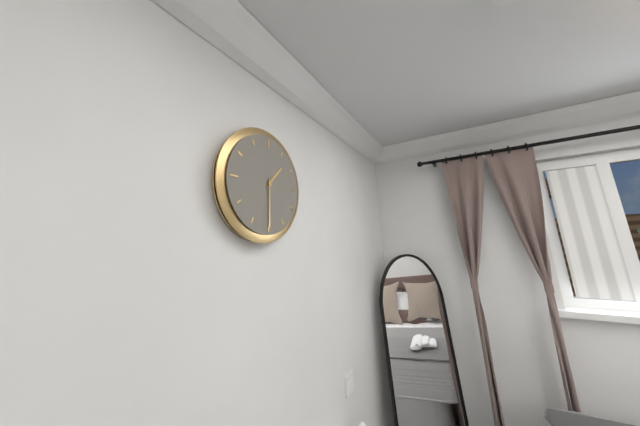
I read 1.30
